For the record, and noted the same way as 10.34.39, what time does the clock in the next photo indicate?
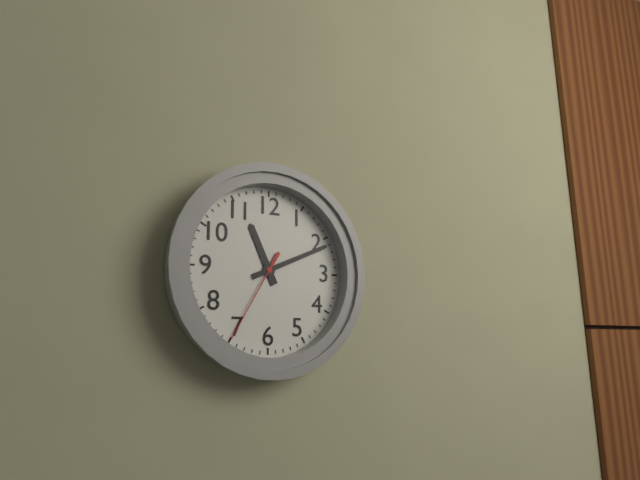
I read 11.11.35
